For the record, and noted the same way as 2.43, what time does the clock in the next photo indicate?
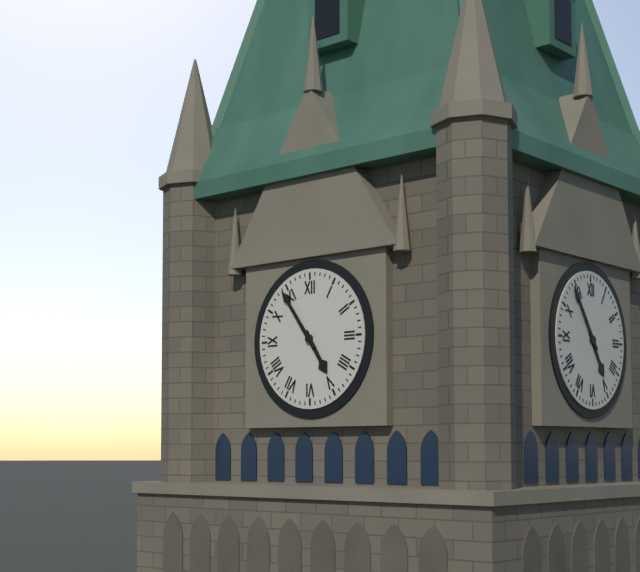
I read 4.54
